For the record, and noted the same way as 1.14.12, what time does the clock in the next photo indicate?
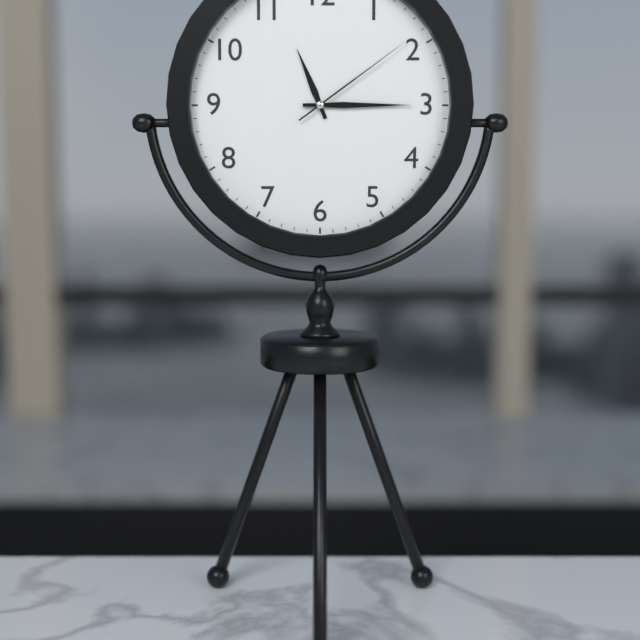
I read 11.15.09
